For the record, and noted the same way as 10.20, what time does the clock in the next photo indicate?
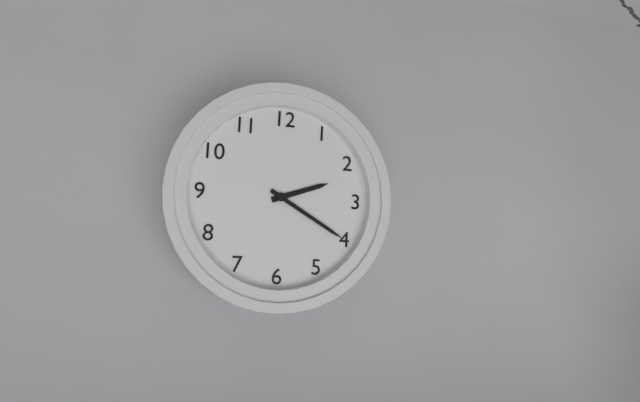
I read 2.20
